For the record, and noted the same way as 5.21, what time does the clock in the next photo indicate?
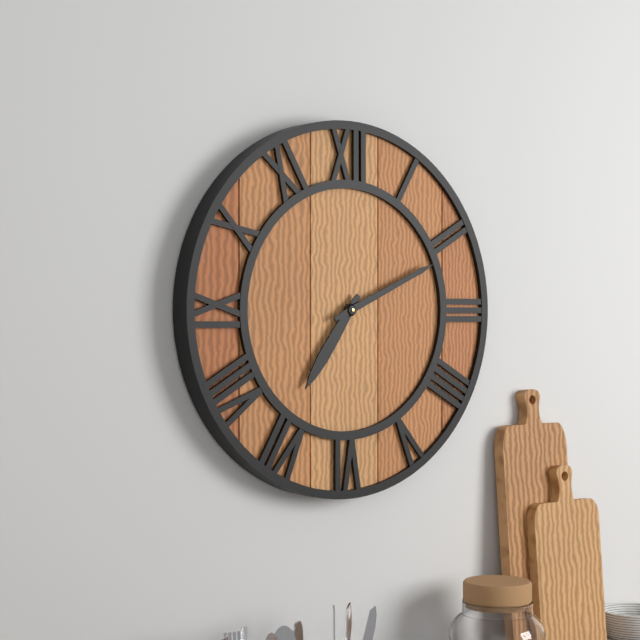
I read 7.11
